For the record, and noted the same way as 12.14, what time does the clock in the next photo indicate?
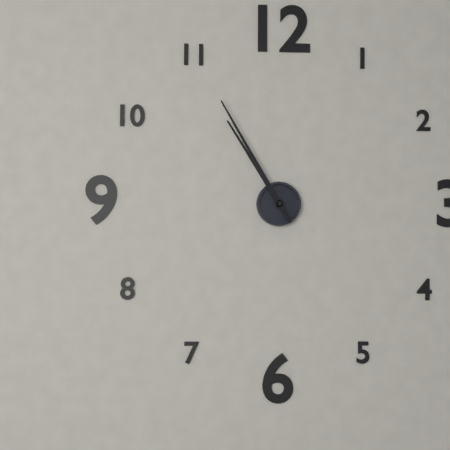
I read 10.55
